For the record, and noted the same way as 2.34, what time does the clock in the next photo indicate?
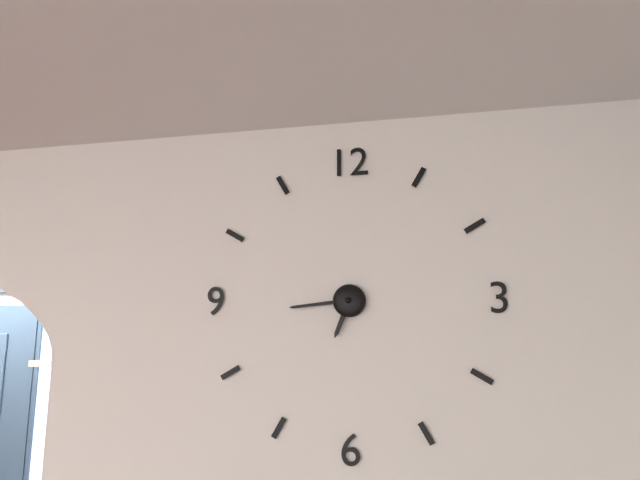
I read 6.44
